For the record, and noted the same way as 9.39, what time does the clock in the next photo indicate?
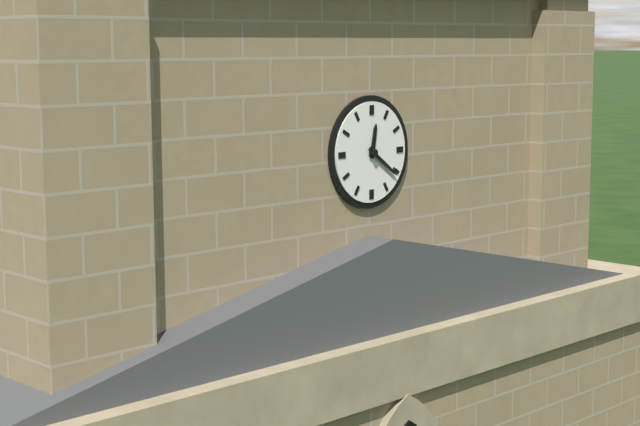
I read 12.21
